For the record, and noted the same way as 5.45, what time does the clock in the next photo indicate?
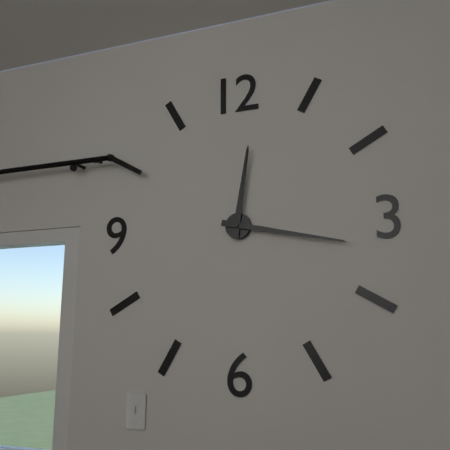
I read 12.17
